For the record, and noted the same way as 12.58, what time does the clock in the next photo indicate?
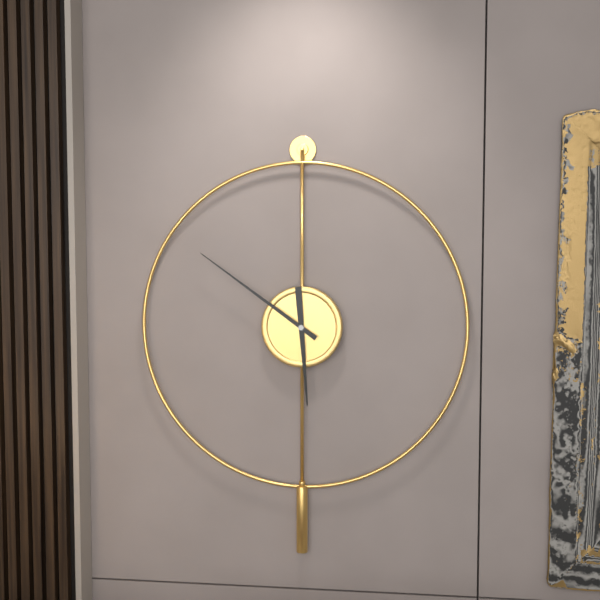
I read 5.51
